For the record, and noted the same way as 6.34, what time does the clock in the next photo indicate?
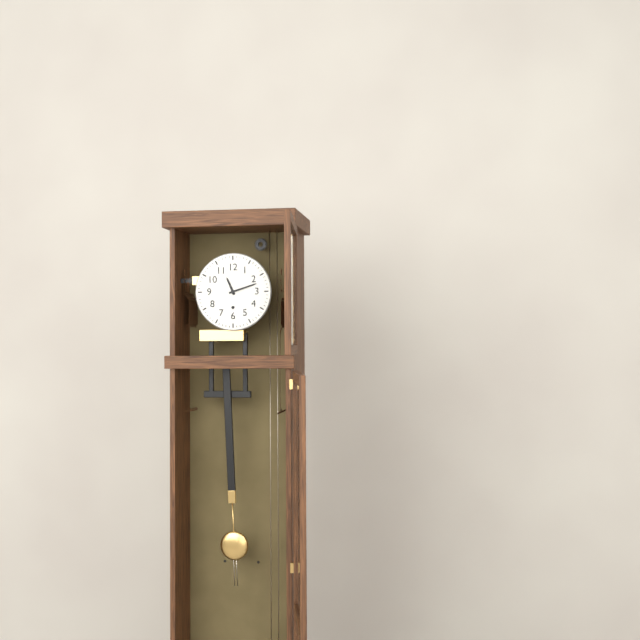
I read 11.12
